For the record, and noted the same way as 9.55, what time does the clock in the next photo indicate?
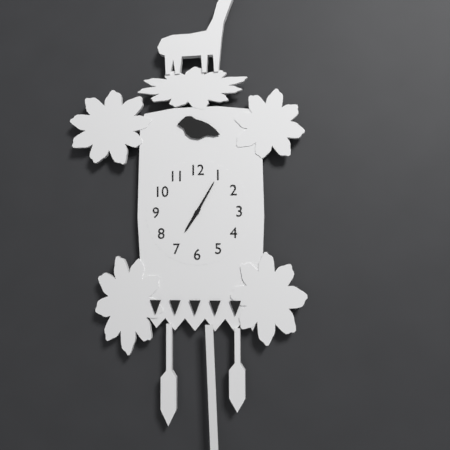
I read 7.05
